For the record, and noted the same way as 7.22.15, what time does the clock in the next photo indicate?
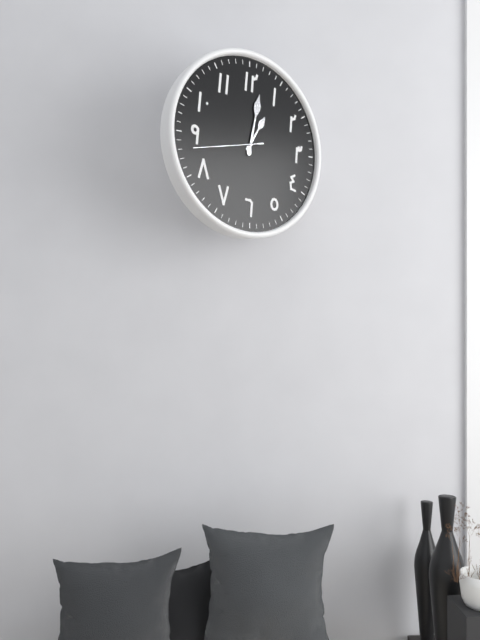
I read 1.02.43
